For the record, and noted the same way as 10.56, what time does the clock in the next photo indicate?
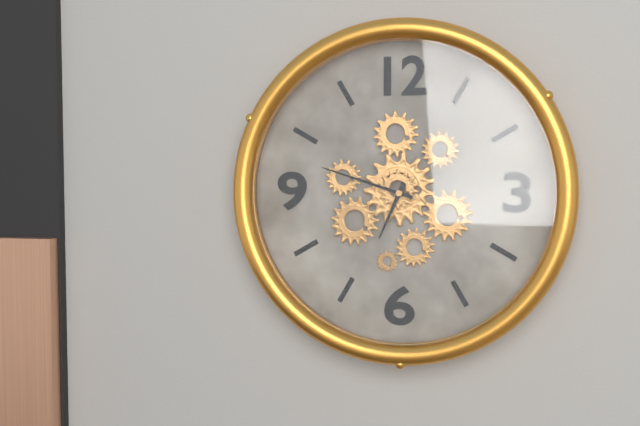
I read 6.48
